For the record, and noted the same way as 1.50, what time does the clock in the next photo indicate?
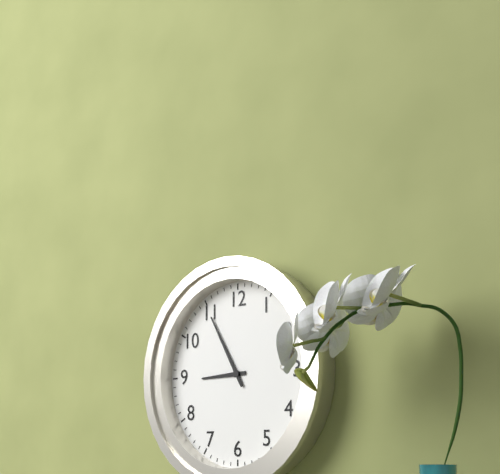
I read 8.55
